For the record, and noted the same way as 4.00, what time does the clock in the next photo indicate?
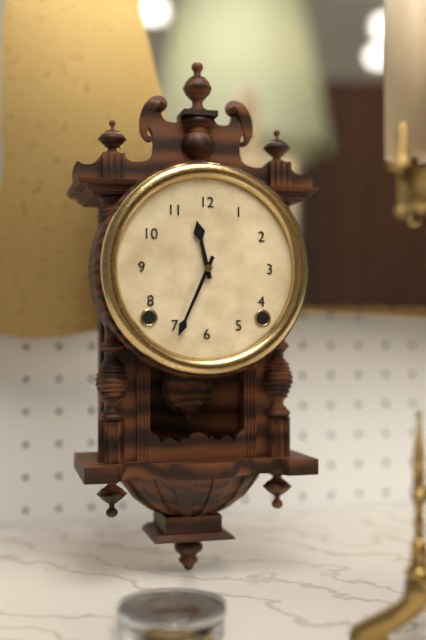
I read 11.34
